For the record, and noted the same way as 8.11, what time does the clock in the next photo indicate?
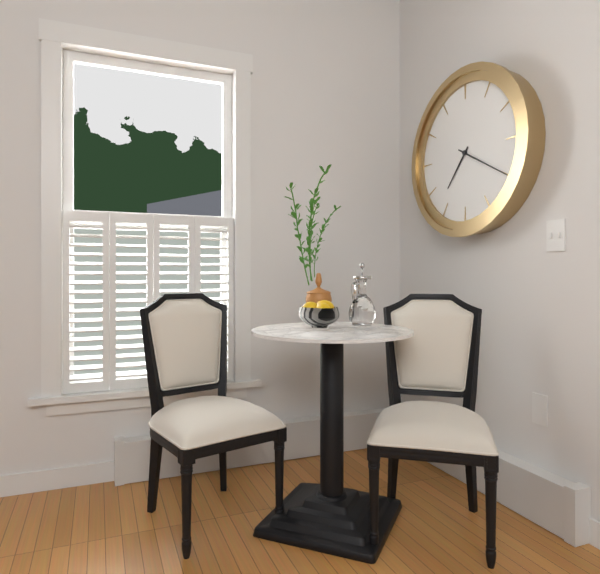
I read 7.20
